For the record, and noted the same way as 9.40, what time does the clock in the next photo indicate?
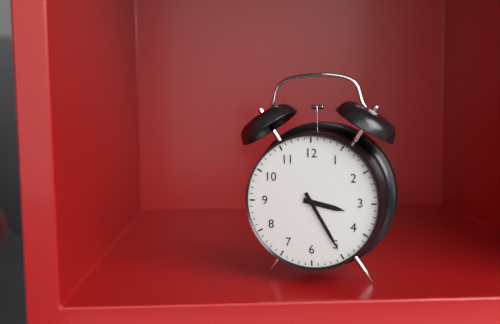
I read 3.25
